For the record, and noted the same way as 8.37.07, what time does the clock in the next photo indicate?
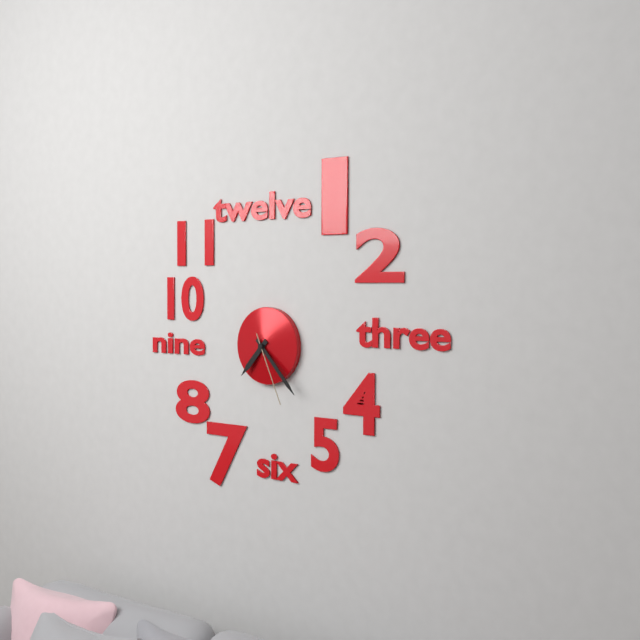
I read 7.23.26
